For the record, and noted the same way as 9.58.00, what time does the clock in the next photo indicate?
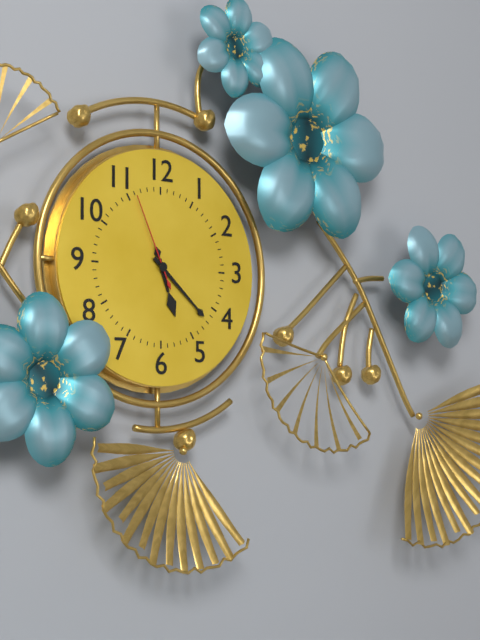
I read 5.22.56
